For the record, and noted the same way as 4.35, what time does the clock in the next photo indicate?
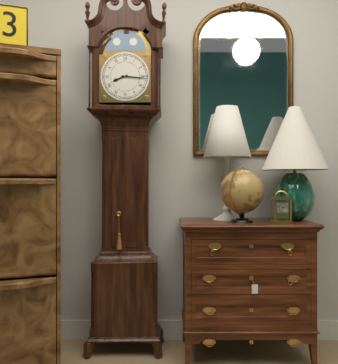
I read 8.16
